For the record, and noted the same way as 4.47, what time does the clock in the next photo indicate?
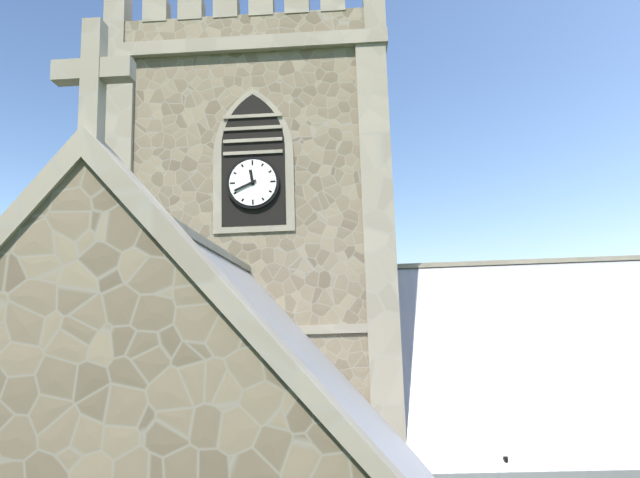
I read 11.41
